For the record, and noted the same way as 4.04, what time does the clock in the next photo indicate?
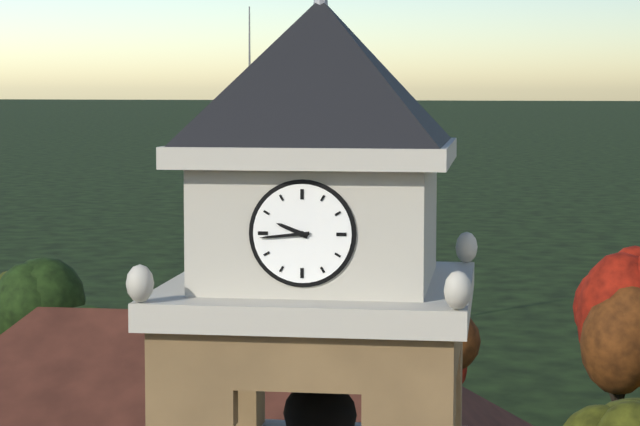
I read 9.44
